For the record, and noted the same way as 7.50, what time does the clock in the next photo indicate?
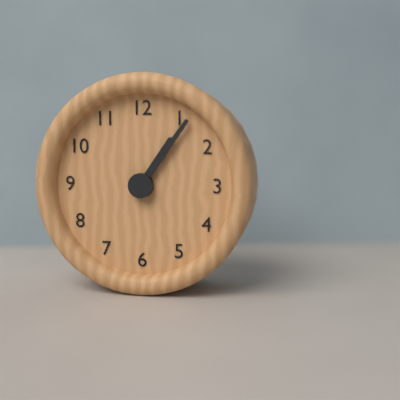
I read 1.06
